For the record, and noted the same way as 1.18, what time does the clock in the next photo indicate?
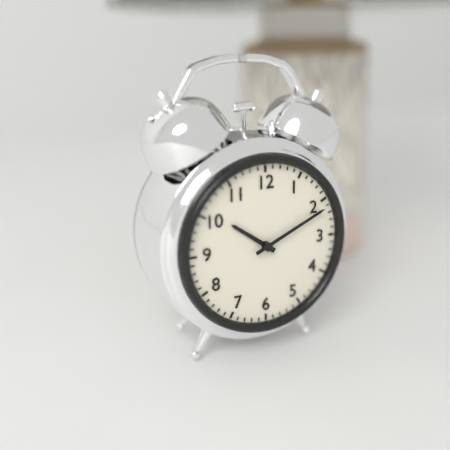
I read 10.11
